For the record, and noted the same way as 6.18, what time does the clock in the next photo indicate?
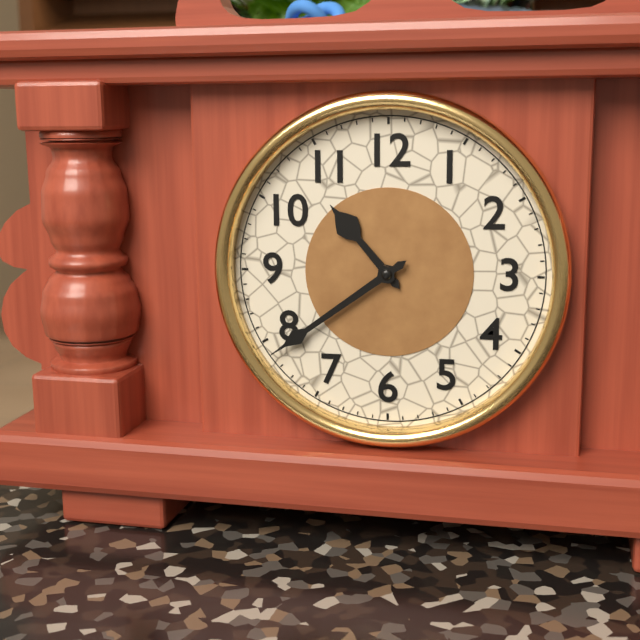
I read 10.39
